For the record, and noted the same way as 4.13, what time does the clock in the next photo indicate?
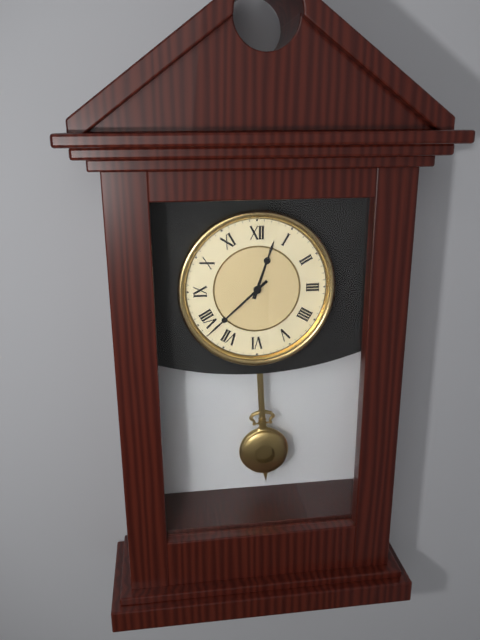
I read 12.38
